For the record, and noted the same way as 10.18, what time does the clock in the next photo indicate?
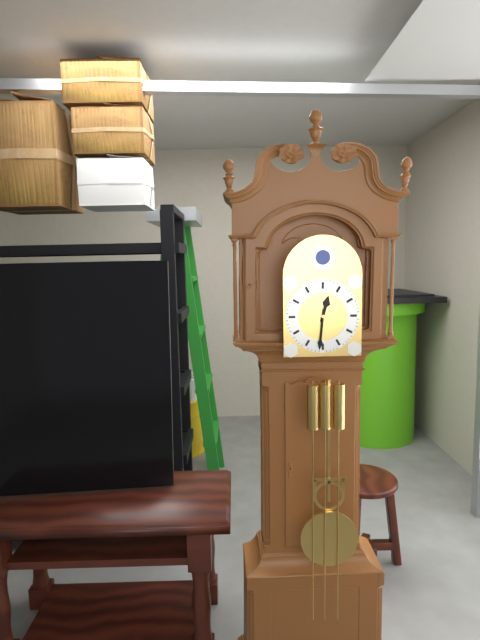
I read 12.31
